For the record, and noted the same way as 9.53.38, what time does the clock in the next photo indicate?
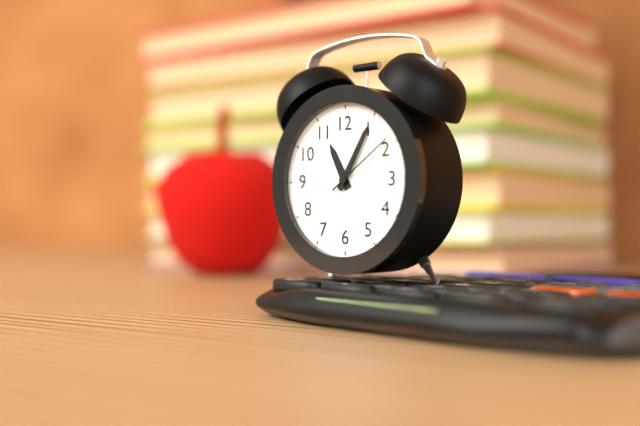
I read 11.05.09
